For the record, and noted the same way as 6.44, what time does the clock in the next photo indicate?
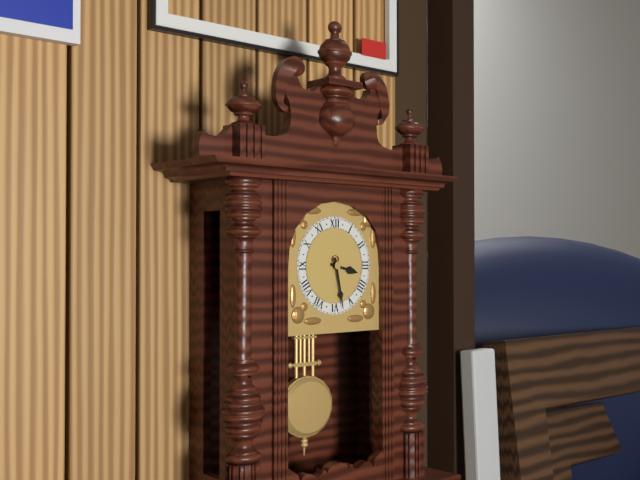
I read 3.28
